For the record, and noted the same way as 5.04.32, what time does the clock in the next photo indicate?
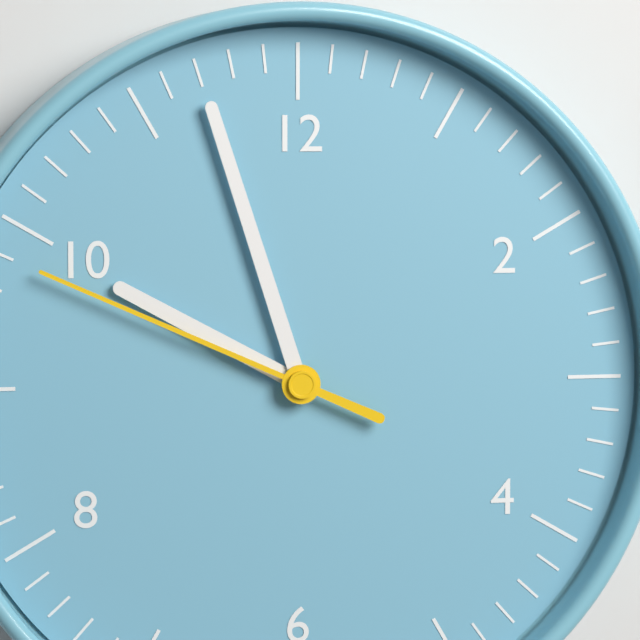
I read 9.57.49
